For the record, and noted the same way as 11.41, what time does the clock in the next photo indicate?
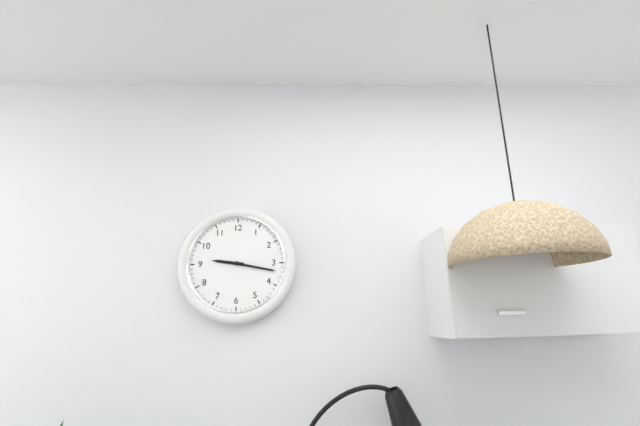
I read 9.17
